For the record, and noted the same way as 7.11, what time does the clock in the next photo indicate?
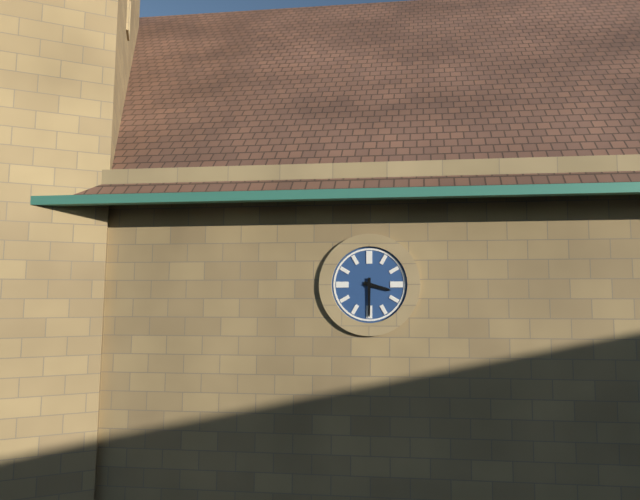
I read 3.30
